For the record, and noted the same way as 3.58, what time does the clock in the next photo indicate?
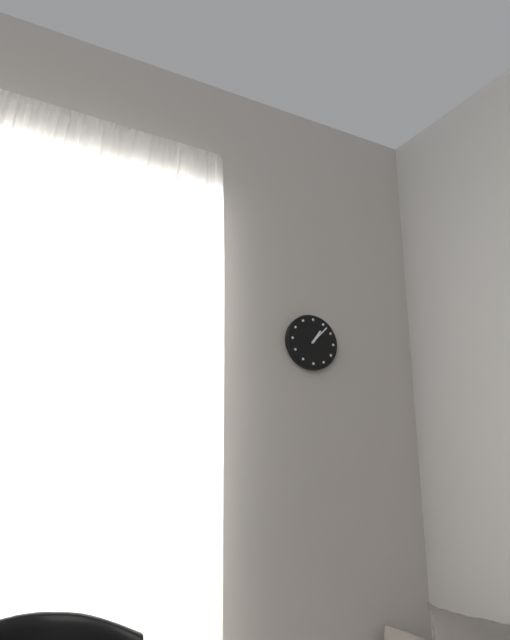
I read 1.07
